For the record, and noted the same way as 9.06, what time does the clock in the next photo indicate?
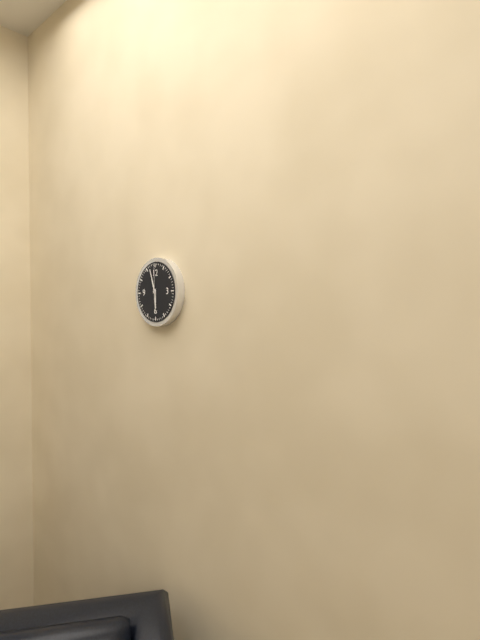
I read 5.57
